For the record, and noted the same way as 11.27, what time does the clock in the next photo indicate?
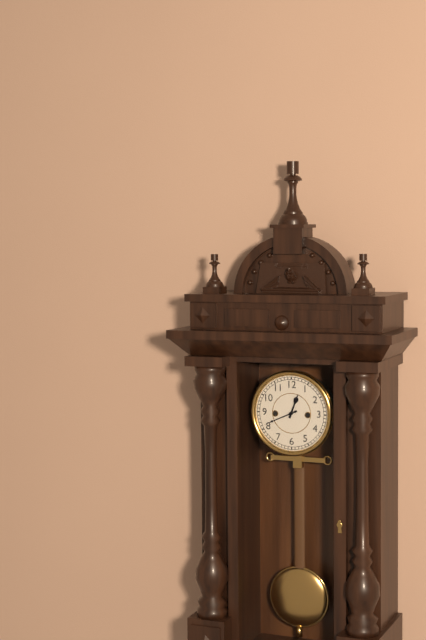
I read 12.41
